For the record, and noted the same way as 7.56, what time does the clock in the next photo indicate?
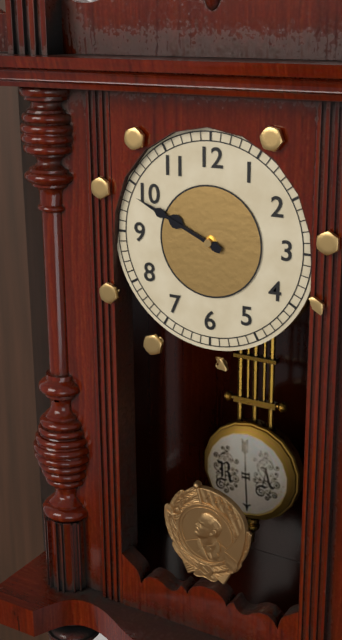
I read 9.49
